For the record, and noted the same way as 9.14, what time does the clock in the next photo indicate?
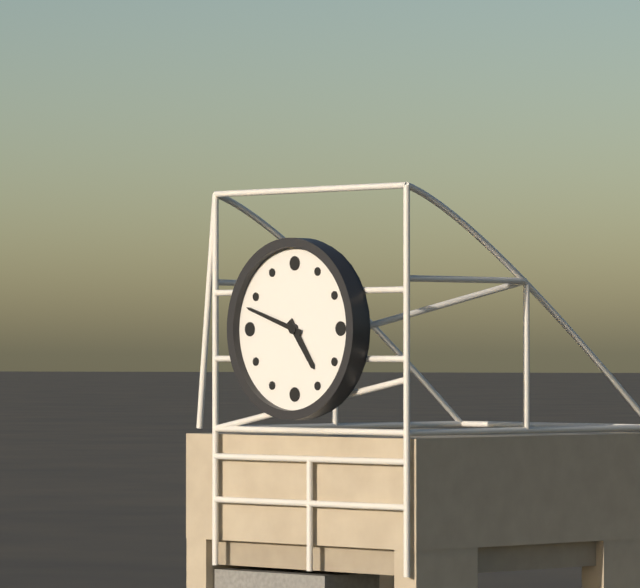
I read 4.48
